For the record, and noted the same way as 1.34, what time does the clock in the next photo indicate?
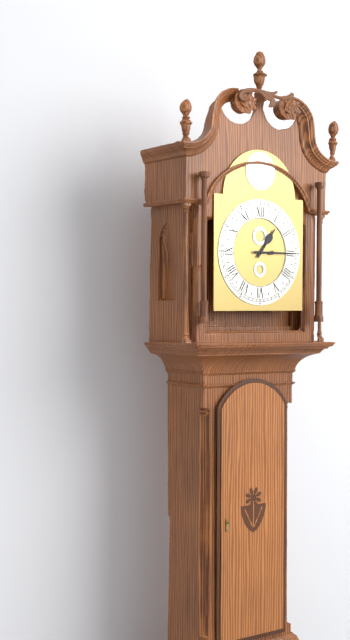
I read 1.15
